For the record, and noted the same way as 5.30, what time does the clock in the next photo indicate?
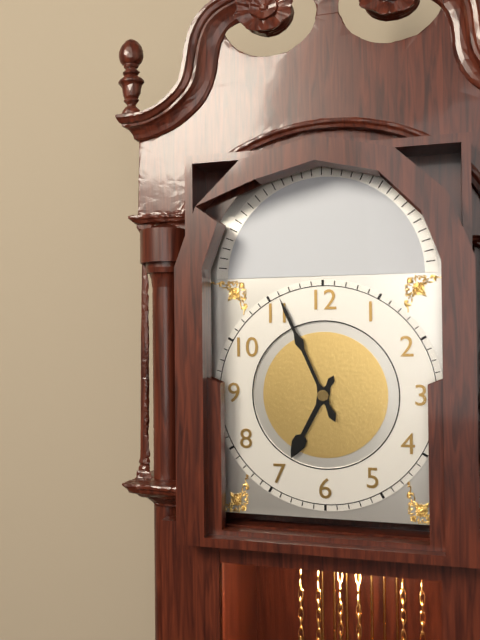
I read 6.56
